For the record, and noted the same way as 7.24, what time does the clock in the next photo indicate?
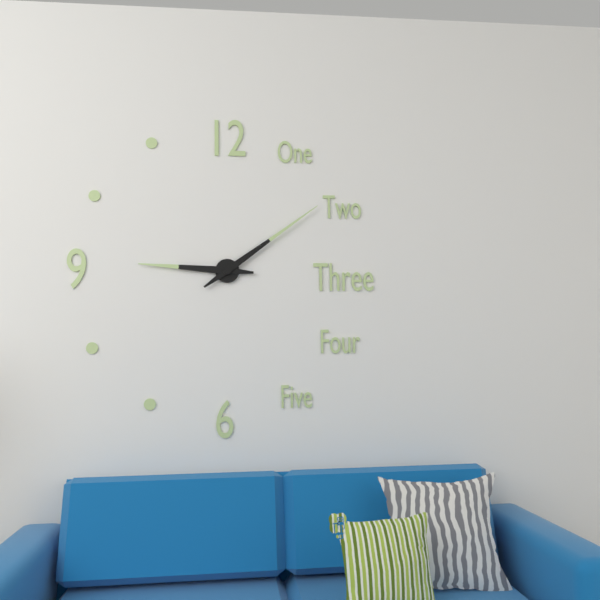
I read 9.09
